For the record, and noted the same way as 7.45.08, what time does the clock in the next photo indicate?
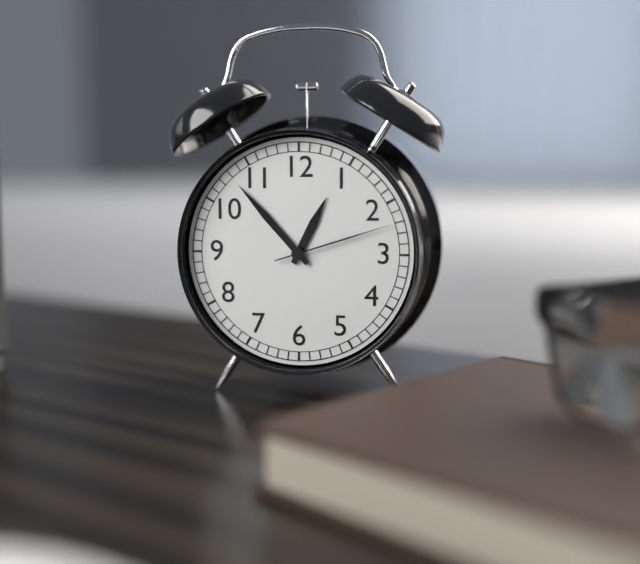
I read 12.53.12
